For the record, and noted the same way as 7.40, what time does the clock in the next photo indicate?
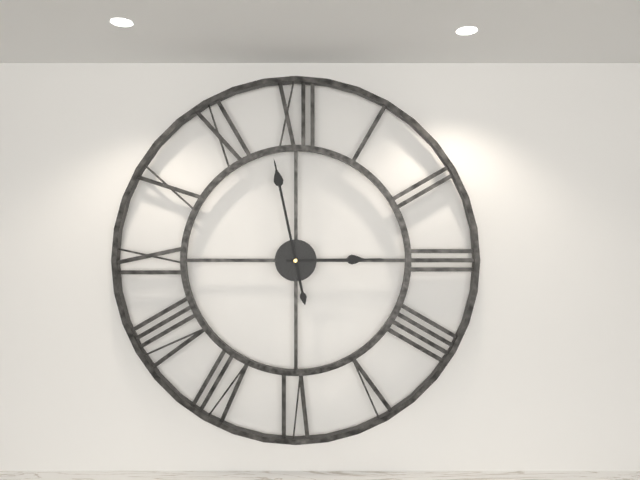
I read 2.58
